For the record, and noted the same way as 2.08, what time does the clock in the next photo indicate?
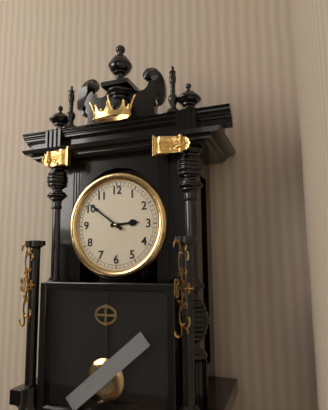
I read 2.51
